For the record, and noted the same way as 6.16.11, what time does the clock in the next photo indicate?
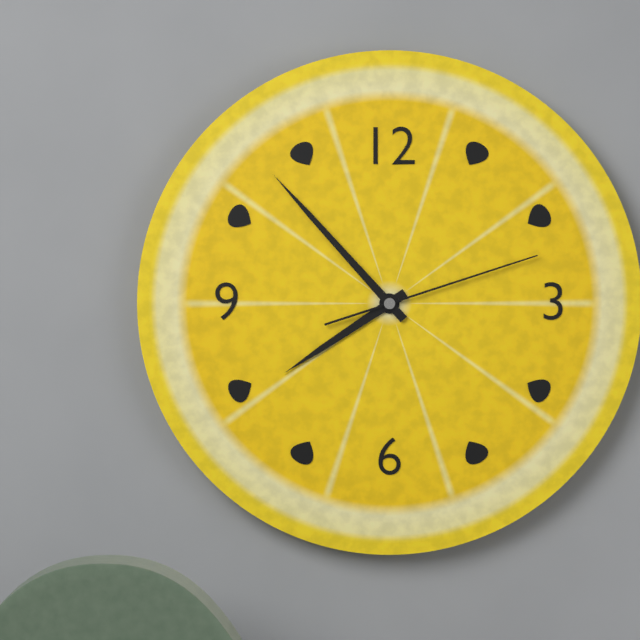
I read 7.53.12
